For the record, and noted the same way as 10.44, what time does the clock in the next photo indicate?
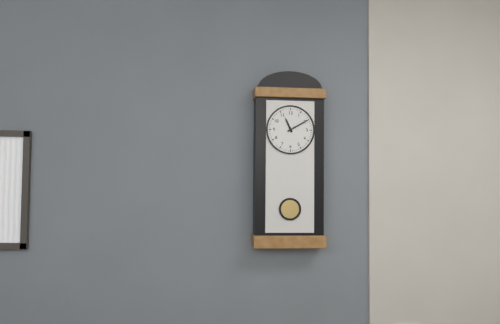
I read 11.10
